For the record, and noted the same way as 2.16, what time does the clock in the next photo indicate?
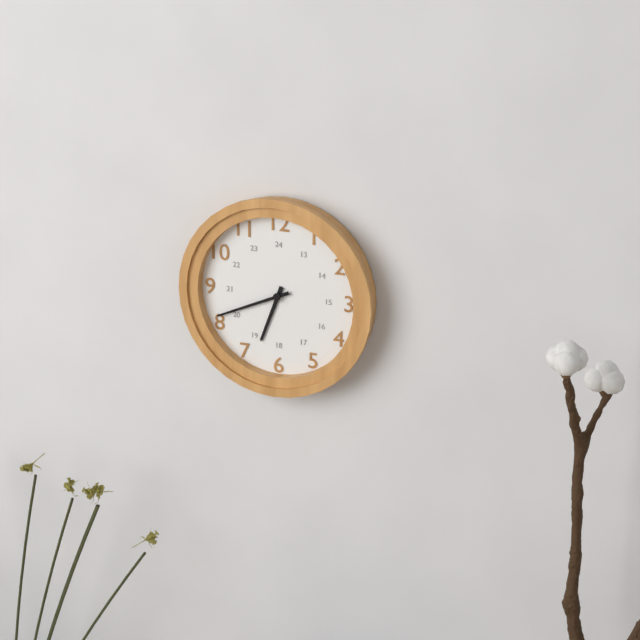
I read 6.41
